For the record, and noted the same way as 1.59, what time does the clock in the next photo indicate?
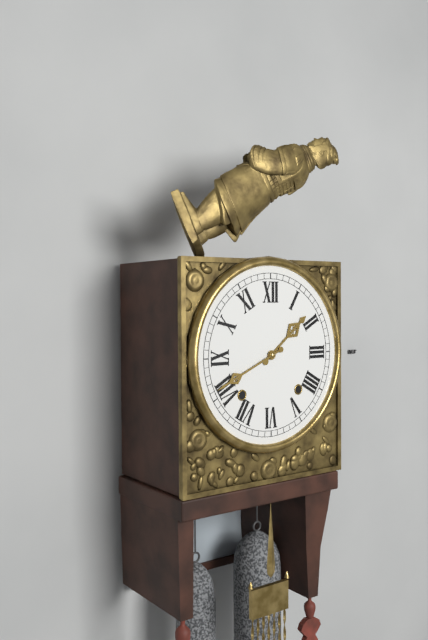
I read 1.41
